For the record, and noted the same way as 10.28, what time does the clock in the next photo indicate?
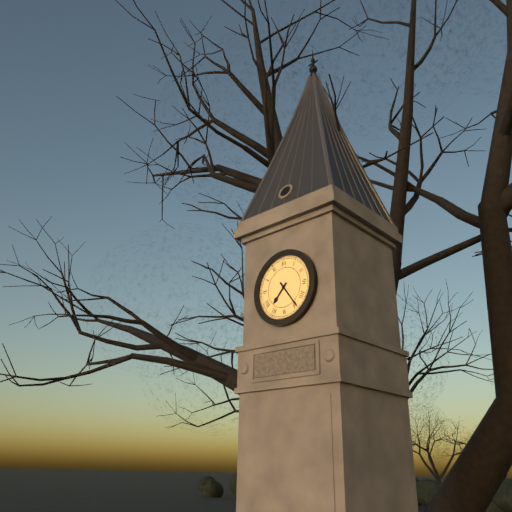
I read 7.24
